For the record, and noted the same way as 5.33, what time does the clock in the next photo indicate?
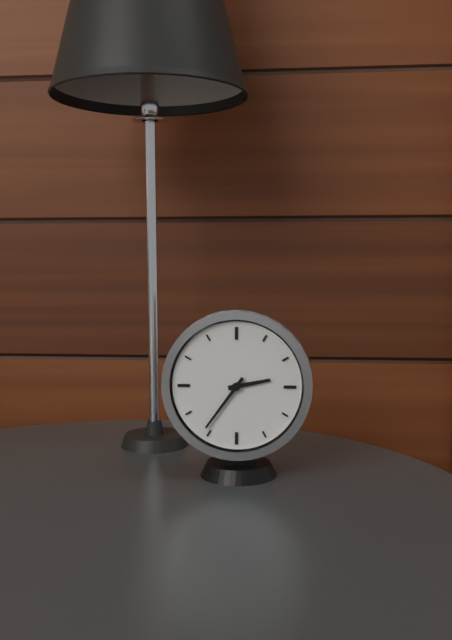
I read 2.36
